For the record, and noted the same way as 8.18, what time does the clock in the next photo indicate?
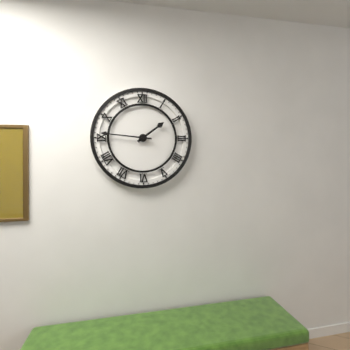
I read 1.46
